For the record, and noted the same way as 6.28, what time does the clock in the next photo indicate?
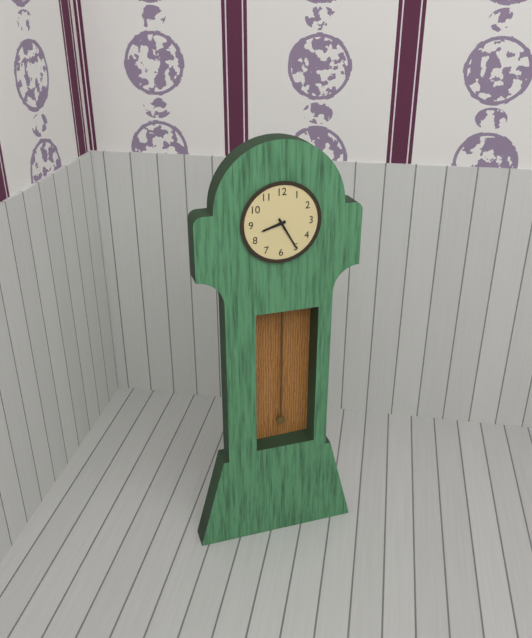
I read 8.25
